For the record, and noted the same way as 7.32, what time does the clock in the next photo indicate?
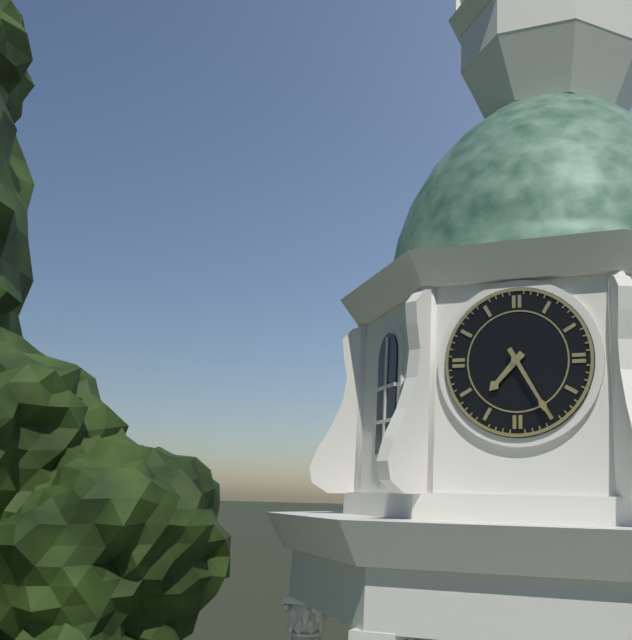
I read 7.25
